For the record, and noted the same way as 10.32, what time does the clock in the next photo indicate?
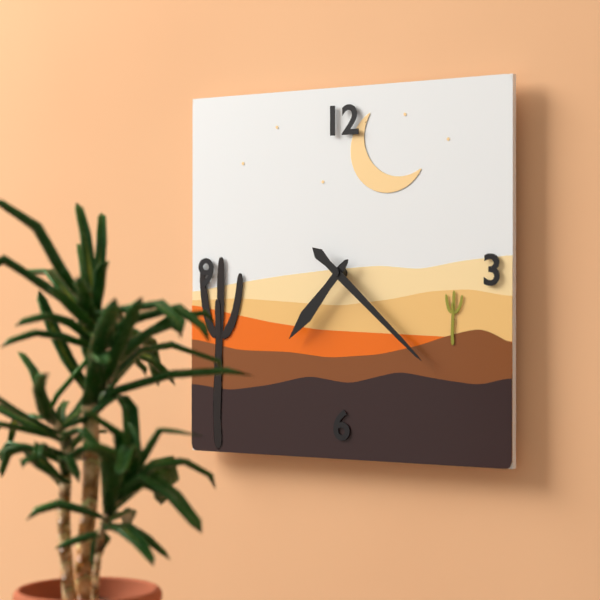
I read 7.22
